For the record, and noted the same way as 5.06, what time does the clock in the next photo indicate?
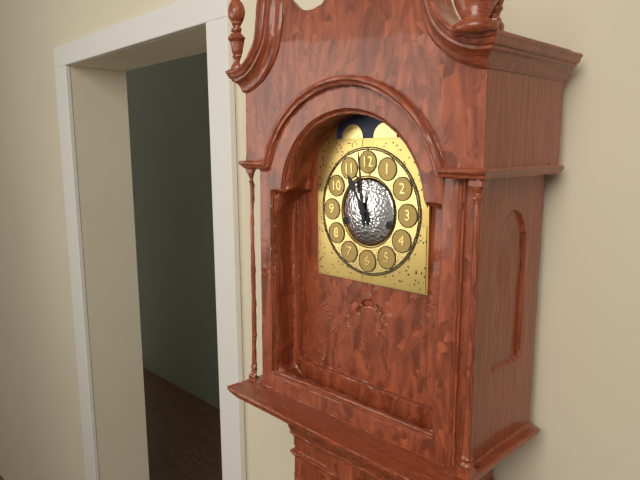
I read 10.59
